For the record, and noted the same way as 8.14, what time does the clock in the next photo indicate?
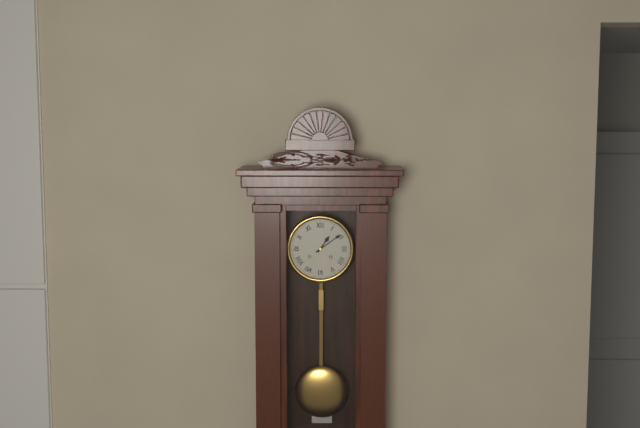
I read 1.09
